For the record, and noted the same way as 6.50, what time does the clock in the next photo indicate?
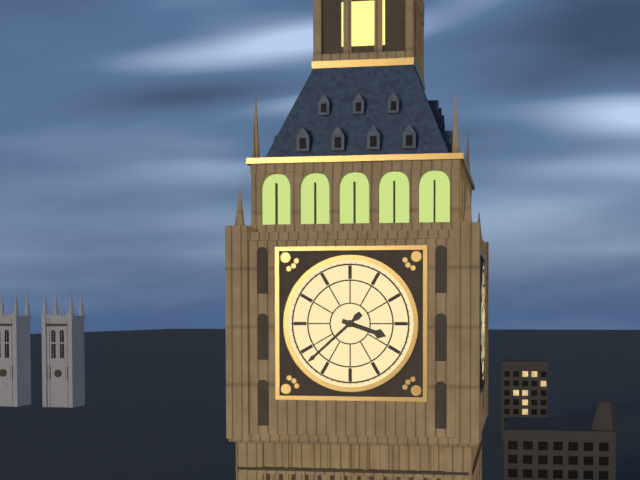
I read 3.38
